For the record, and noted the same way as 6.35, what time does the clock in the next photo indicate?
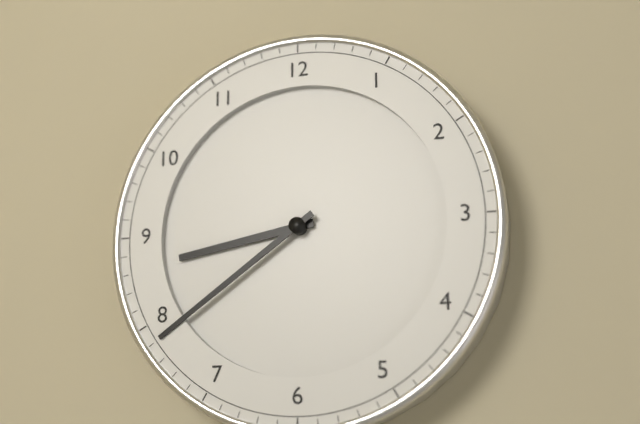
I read 8.39
